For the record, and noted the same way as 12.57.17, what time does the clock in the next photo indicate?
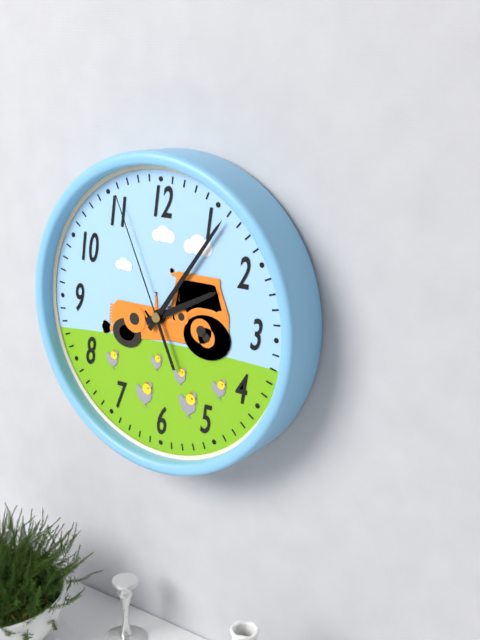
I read 2.06.56
